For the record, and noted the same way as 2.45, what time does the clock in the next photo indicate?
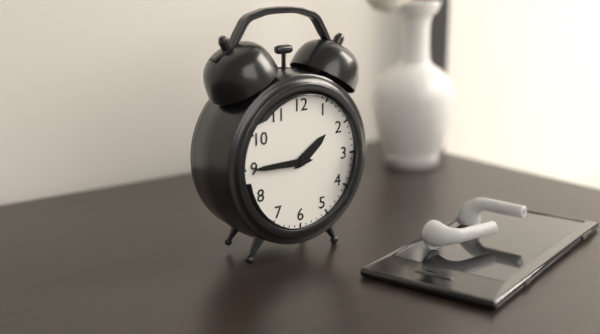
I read 1.45
